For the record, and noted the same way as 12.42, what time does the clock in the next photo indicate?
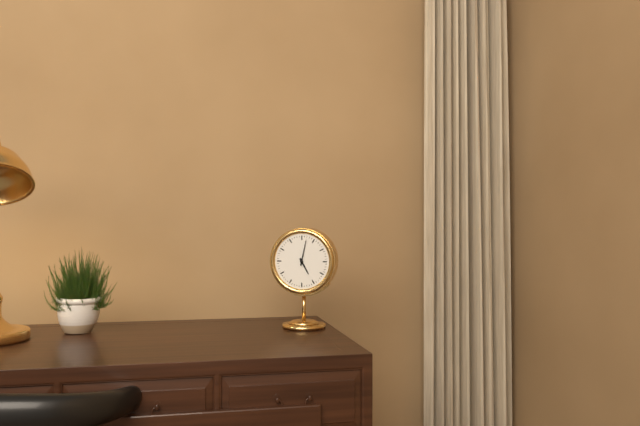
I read 5.02
